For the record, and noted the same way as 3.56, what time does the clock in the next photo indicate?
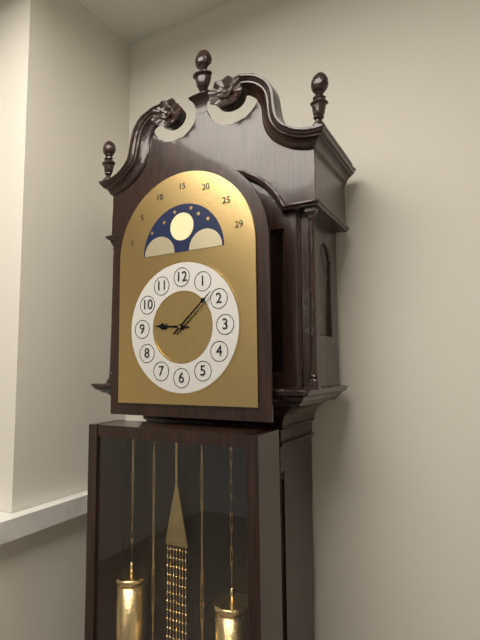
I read 9.08
